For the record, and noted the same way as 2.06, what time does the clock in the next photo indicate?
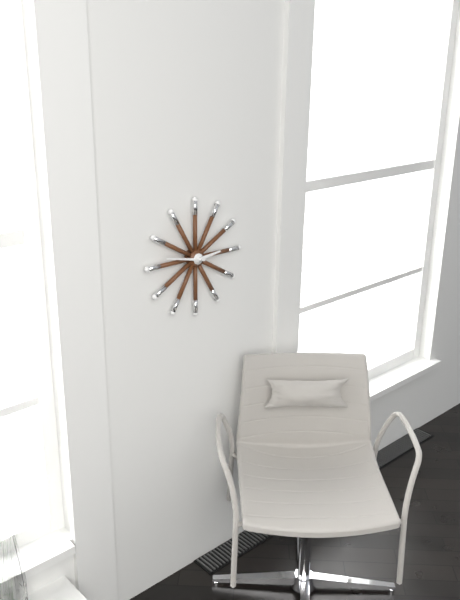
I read 2.47
